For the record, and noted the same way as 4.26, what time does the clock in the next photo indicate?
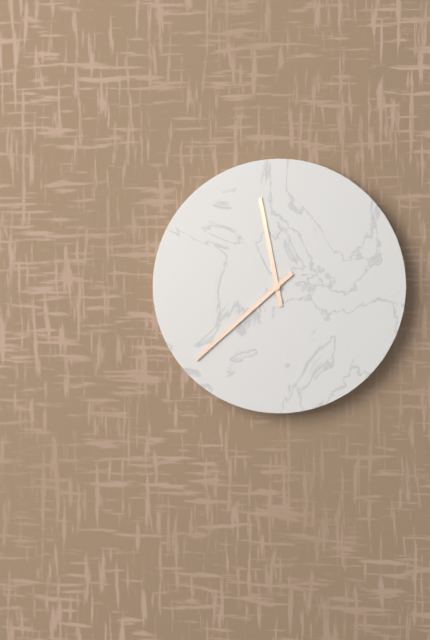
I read 11.38
